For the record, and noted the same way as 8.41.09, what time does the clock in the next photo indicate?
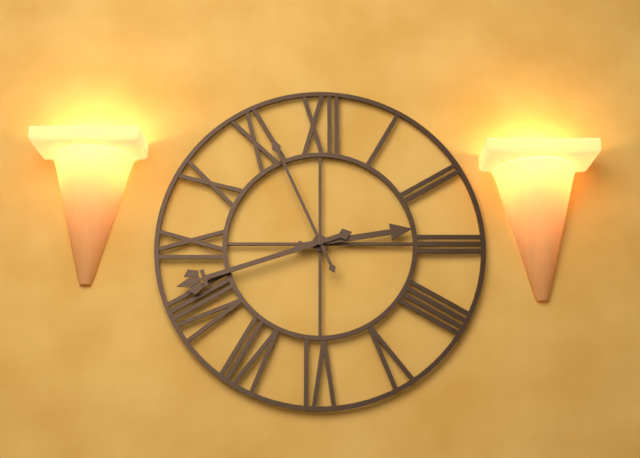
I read 2.42.56
